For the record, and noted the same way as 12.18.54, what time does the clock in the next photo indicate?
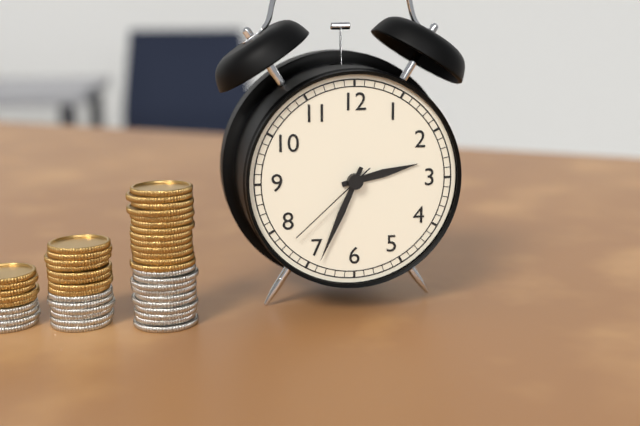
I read 2.34.38
